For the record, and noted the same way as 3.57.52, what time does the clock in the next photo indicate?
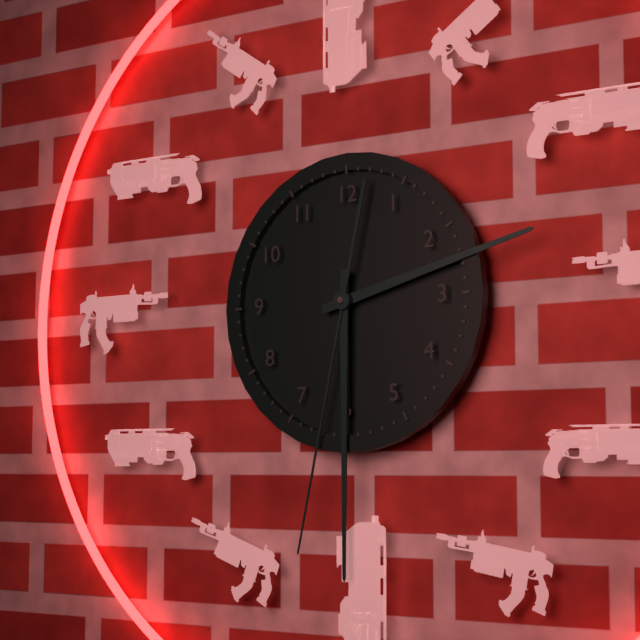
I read 2.30.32
